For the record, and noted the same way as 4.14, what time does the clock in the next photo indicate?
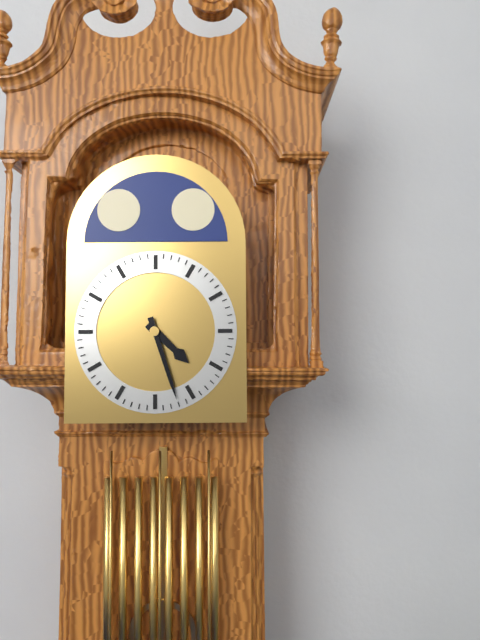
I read 4.27
